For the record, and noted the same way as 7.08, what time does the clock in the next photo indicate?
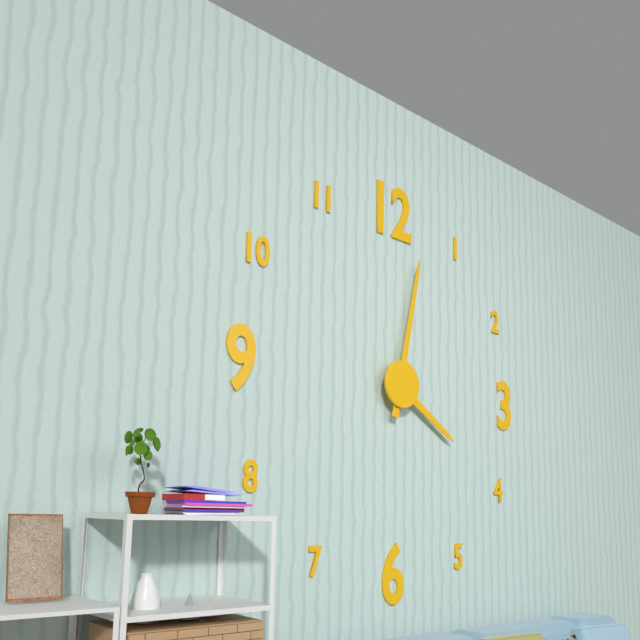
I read 4.02
